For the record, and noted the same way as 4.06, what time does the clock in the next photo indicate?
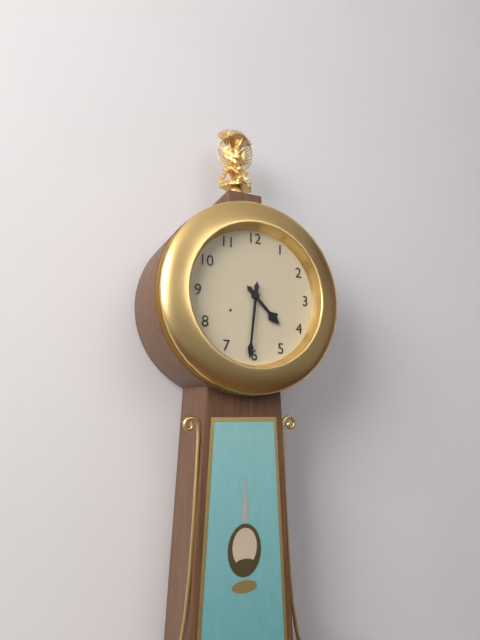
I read 4.31
